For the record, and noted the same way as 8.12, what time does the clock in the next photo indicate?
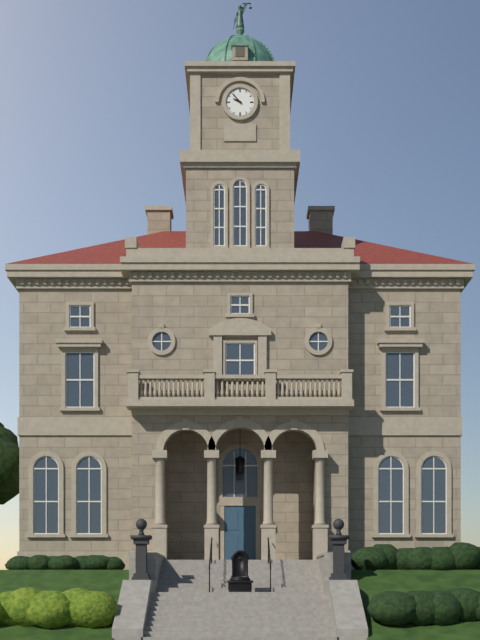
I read 9.53
